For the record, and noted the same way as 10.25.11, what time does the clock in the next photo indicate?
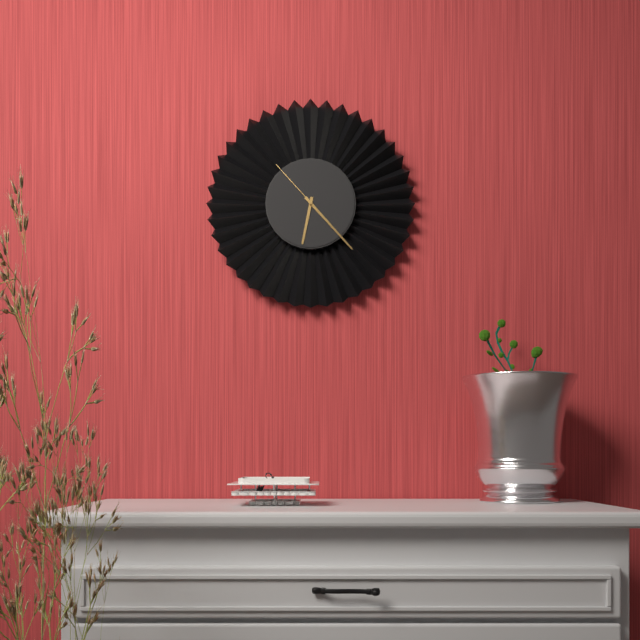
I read 6.23.53
